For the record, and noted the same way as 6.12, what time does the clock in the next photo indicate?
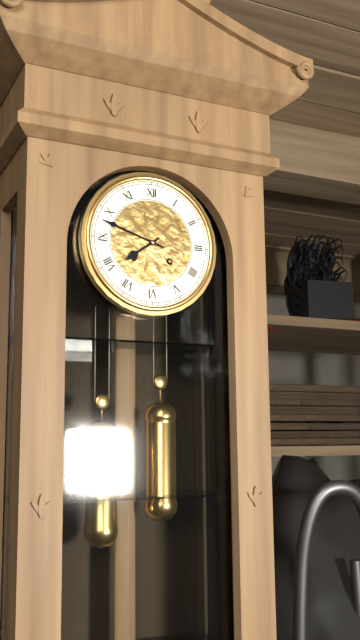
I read 7.48
